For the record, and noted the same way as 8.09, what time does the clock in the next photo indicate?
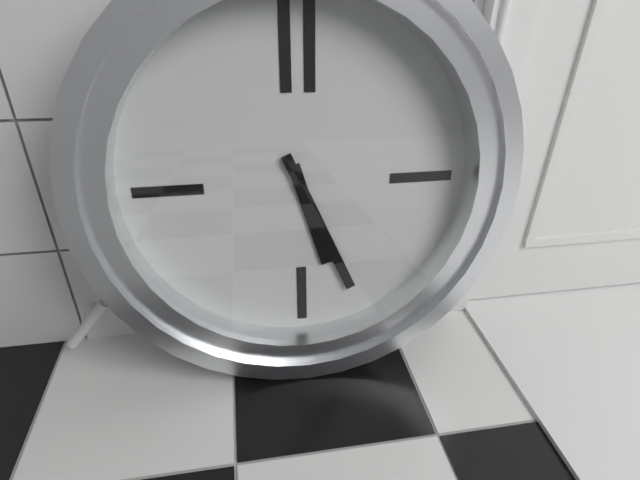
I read 5.26
